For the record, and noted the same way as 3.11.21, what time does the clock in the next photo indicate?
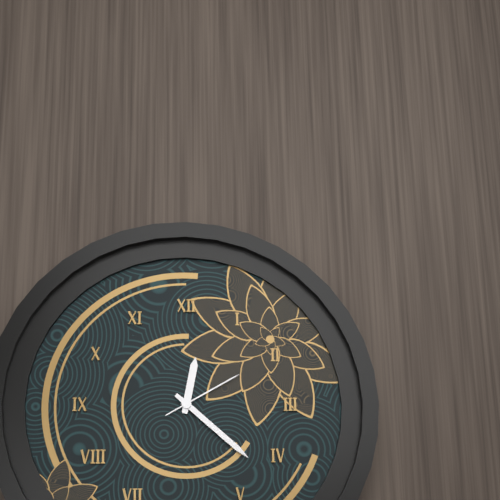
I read 12.22.10
